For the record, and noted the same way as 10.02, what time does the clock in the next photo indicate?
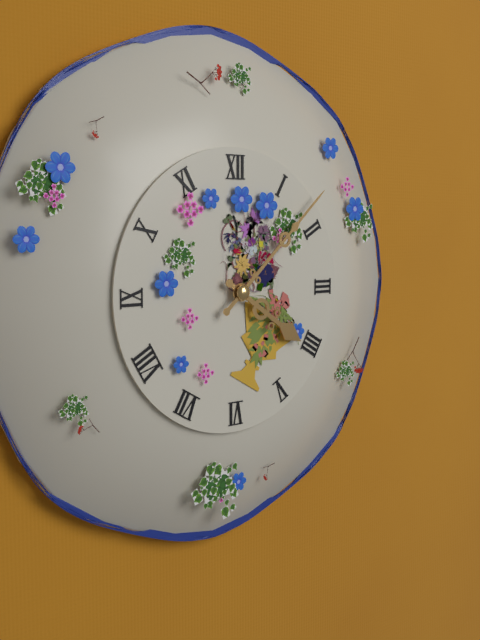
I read 4.08
